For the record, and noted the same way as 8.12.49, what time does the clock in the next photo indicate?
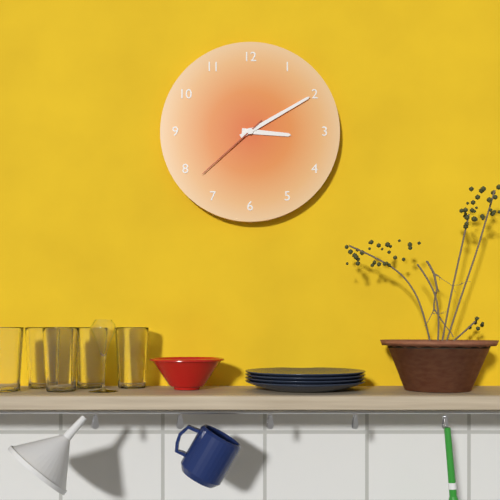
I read 3.10.38
